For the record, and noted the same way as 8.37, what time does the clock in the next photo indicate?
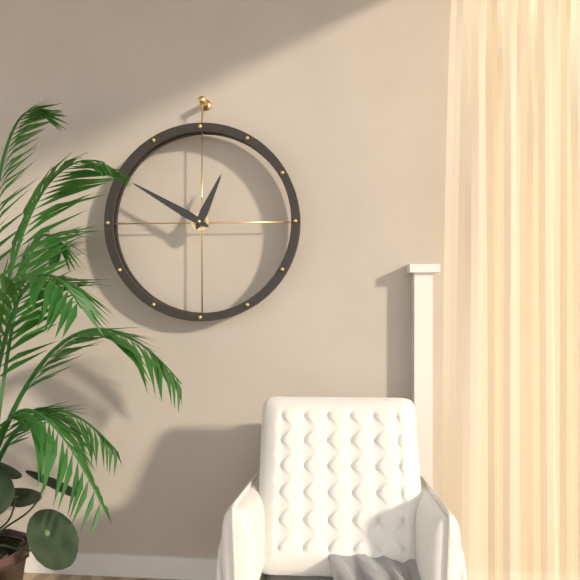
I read 12.50
